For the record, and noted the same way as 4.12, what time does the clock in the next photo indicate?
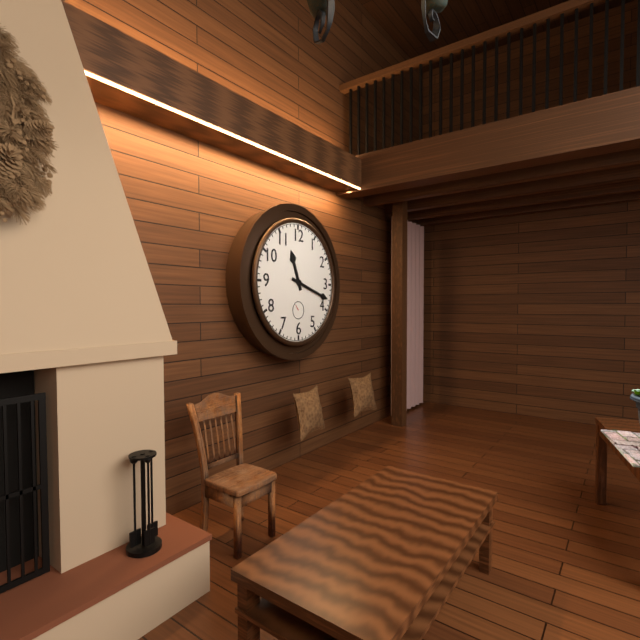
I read 11.18
